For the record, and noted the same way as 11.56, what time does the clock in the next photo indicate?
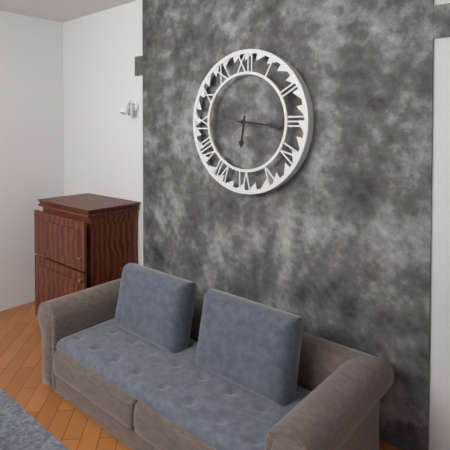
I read 6.16
